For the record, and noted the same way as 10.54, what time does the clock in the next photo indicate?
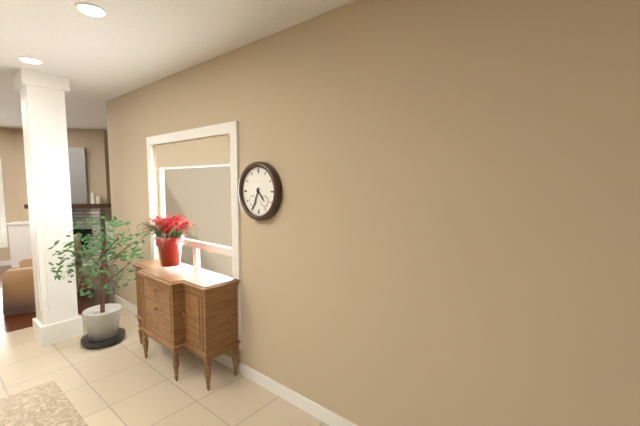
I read 4.34
